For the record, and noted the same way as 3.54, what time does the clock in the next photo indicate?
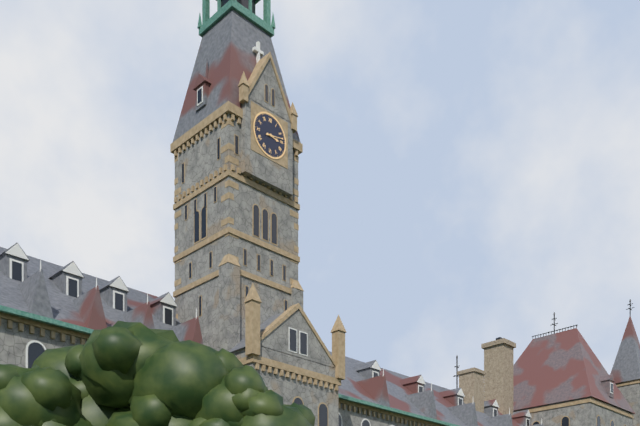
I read 3.13
